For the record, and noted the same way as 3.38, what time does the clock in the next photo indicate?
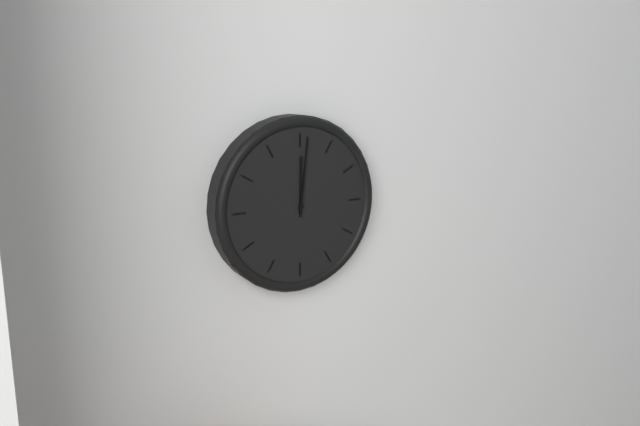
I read 12.01
